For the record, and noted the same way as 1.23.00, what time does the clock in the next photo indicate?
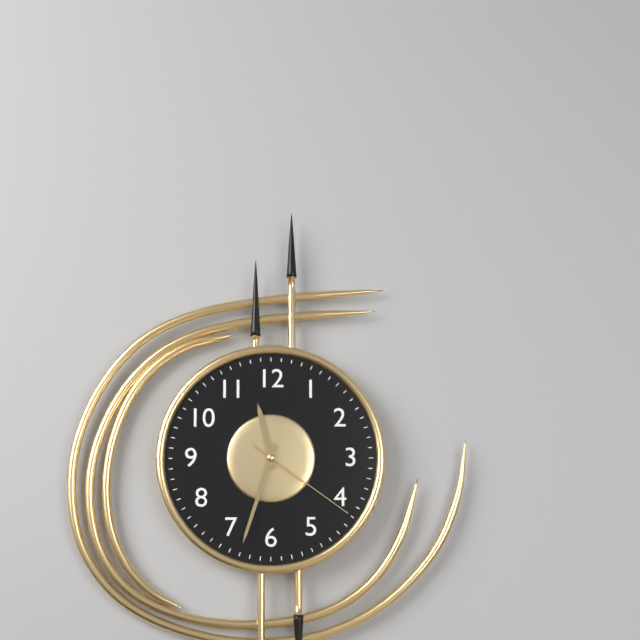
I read 11.33.21
